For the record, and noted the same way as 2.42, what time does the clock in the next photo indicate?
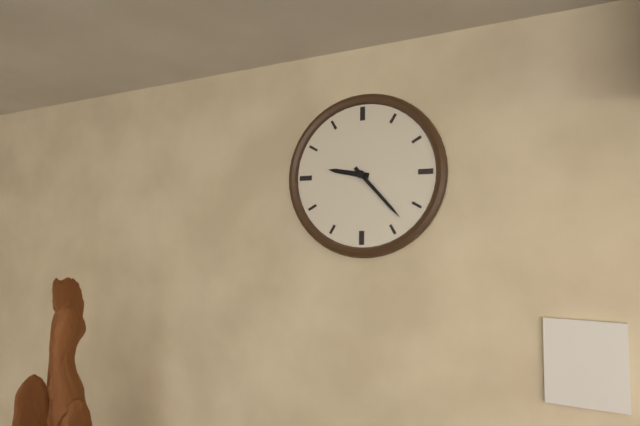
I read 9.23
